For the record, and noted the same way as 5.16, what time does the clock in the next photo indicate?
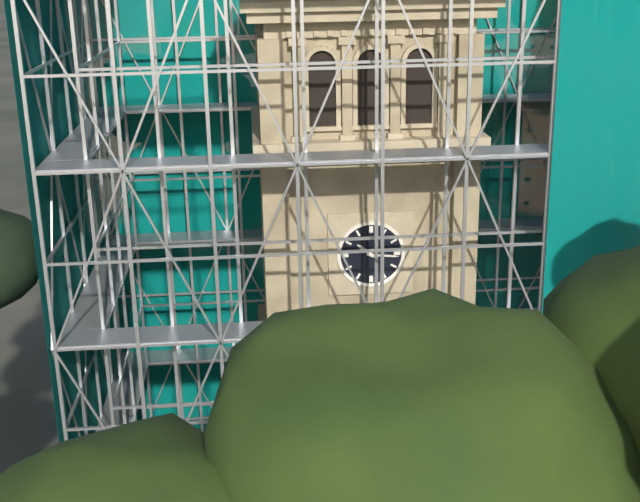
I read 10.16
